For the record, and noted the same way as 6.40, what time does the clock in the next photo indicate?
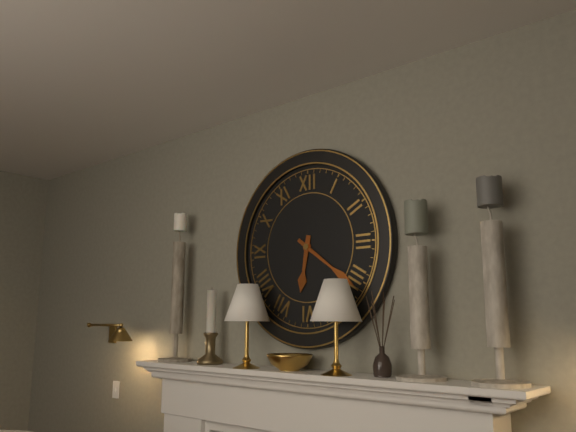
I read 6.21
